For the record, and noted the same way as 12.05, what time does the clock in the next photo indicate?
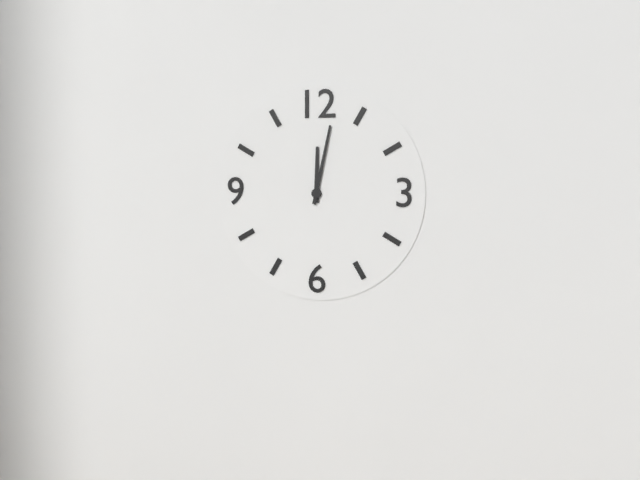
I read 12.02
